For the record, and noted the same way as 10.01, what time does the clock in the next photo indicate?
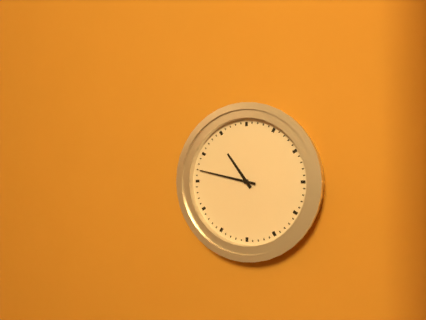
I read 10.47
